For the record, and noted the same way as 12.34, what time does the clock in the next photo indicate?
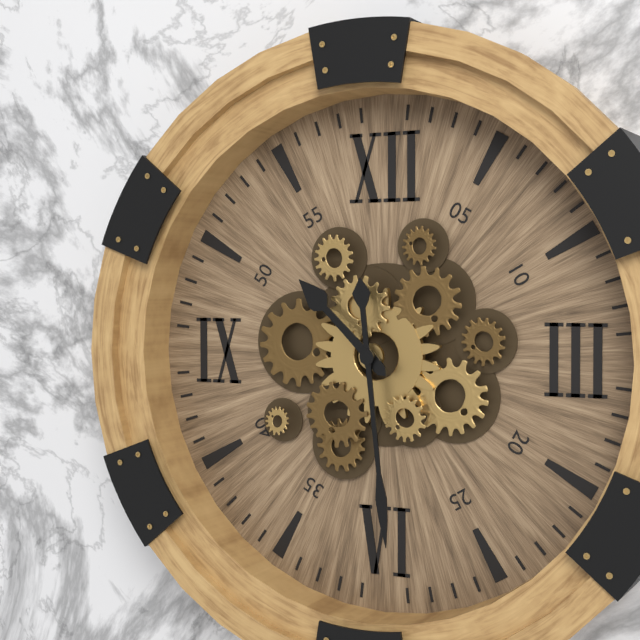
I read 10.29
